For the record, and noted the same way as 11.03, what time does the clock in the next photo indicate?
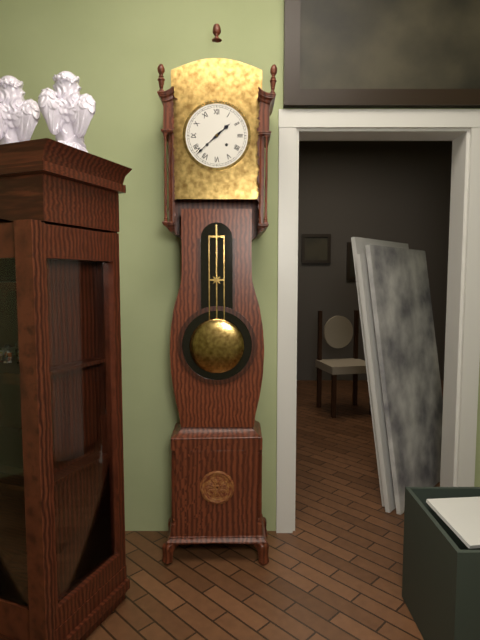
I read 1.38
